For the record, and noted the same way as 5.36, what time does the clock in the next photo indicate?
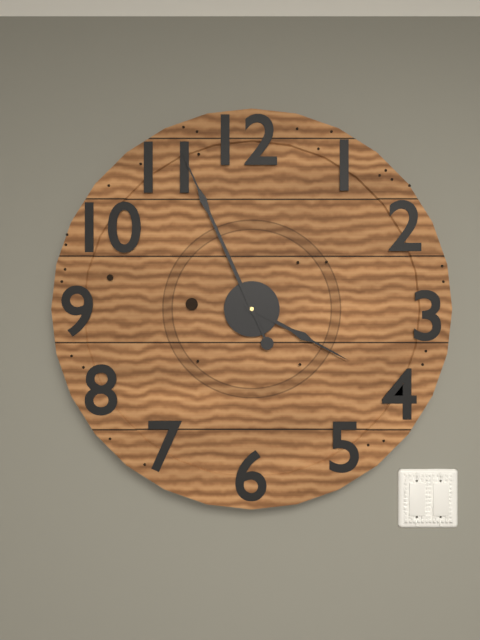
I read 3.56
